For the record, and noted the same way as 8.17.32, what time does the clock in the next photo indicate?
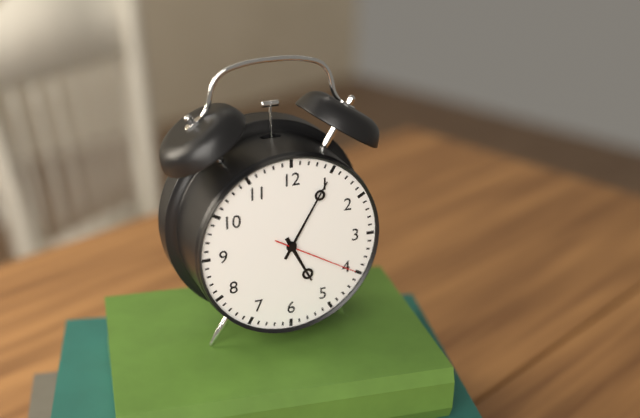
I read 5.05.20
